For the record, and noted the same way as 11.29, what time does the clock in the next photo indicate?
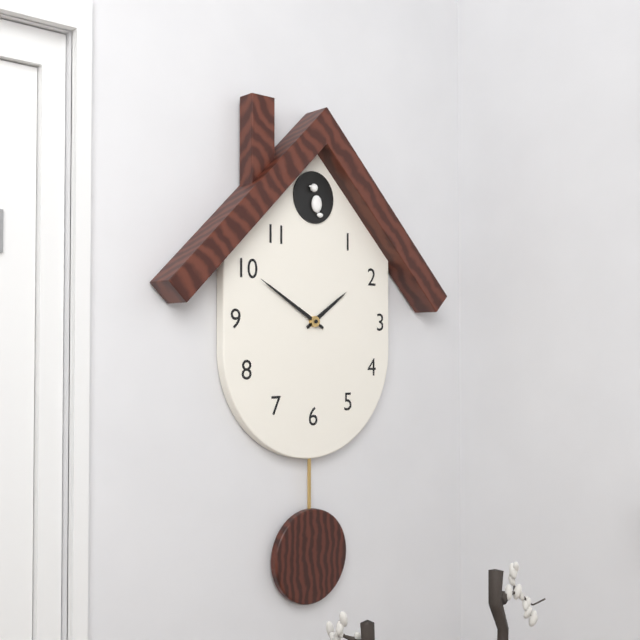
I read 1.50
